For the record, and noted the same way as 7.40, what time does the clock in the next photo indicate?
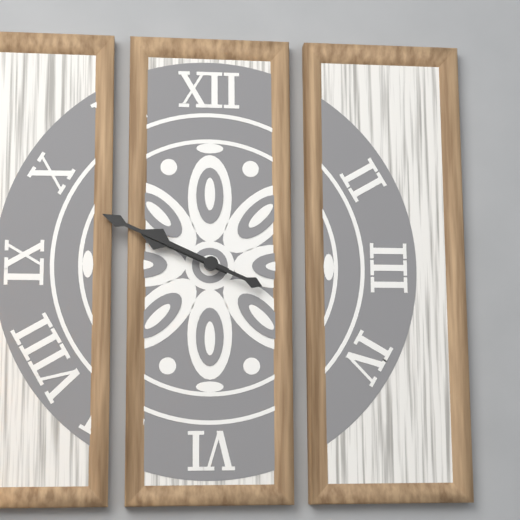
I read 9.49
